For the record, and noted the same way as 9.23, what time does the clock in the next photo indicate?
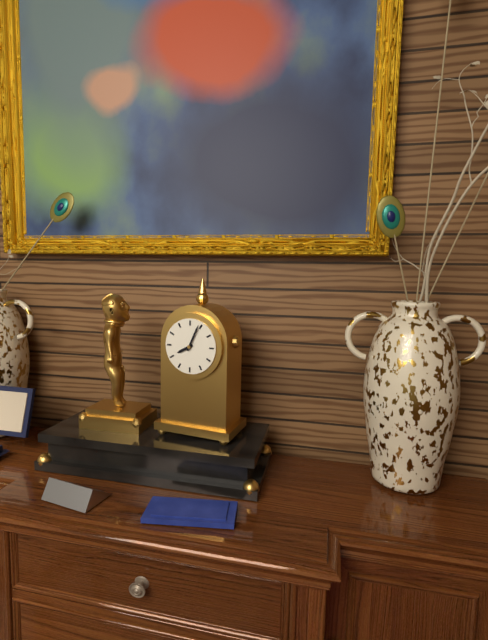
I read 8.04
